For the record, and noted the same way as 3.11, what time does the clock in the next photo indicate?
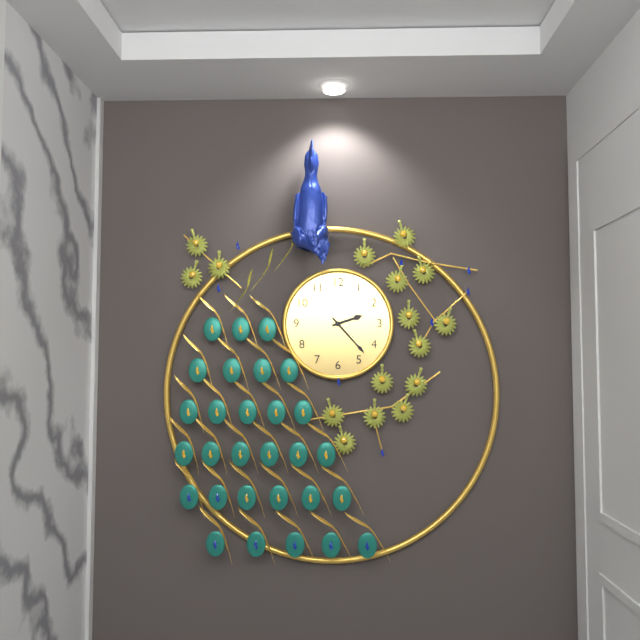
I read 2.23
